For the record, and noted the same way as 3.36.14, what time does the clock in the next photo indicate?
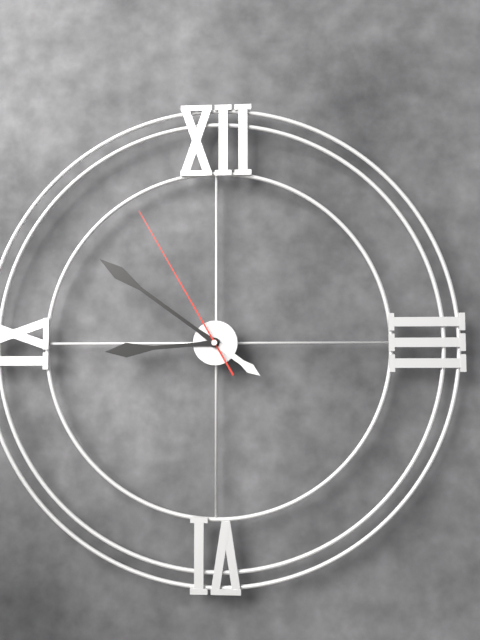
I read 8.51.55
